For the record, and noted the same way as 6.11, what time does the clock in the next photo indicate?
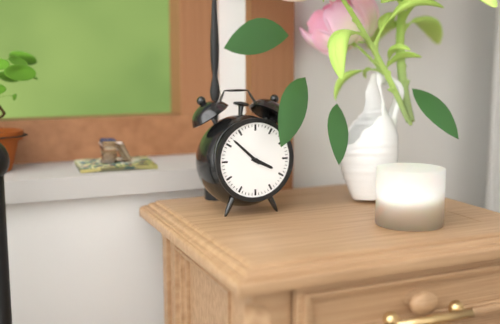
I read 3.52
